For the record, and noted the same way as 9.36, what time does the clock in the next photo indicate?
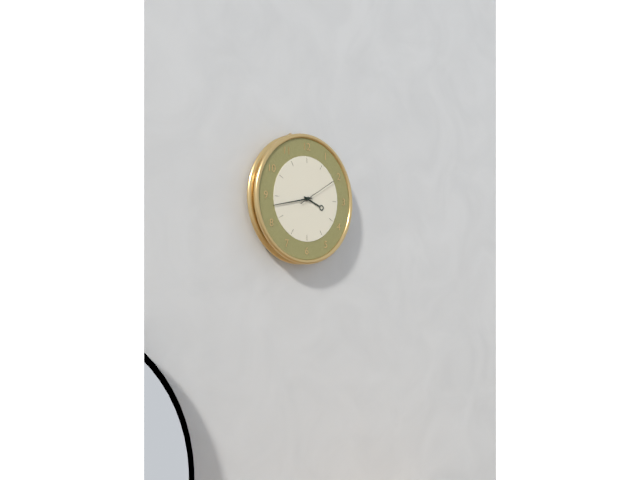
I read 3.43
